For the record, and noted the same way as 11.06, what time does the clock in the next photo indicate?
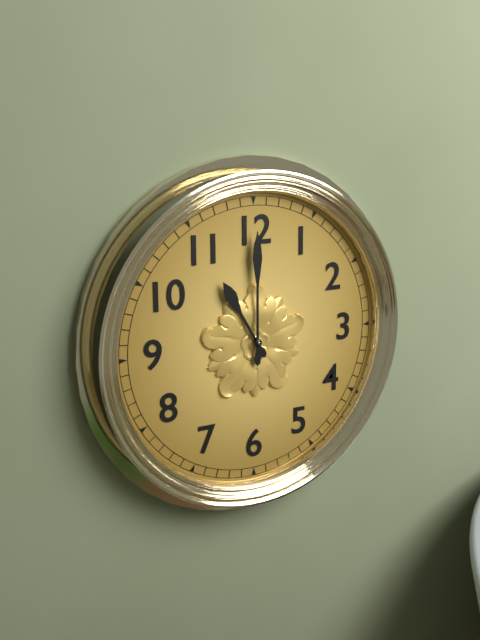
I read 11.00
